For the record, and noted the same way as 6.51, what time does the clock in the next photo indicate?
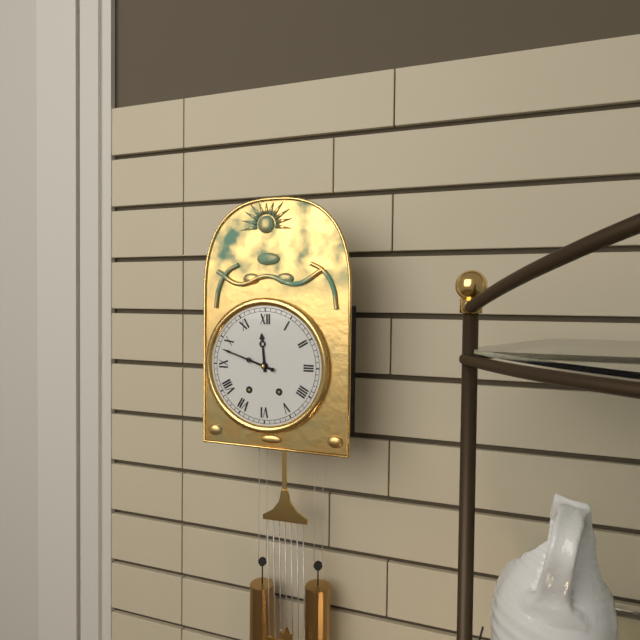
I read 11.48
